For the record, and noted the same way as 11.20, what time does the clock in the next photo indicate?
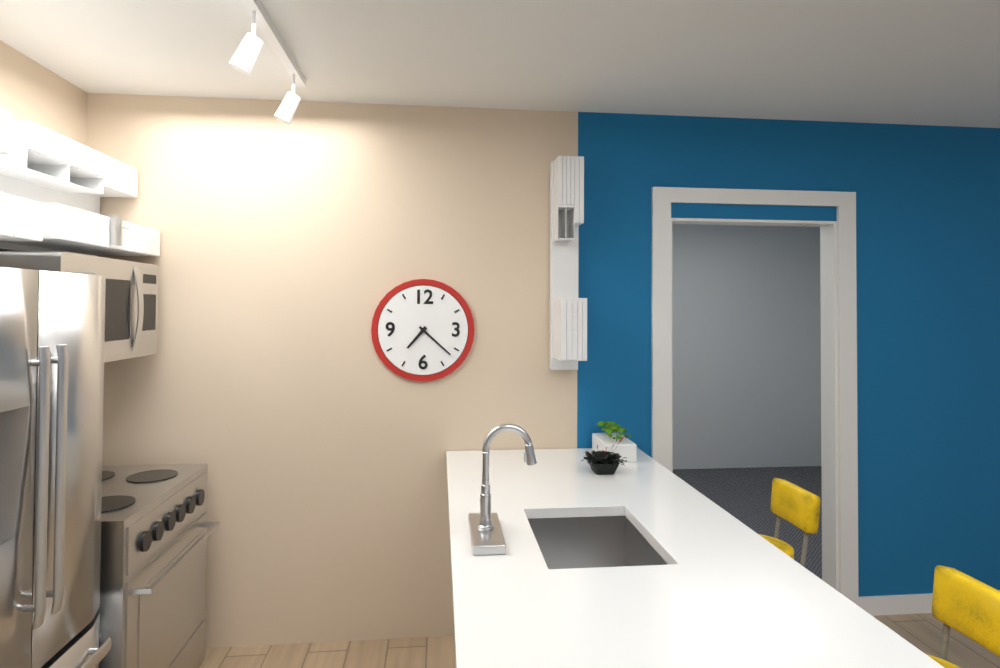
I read 7.22
